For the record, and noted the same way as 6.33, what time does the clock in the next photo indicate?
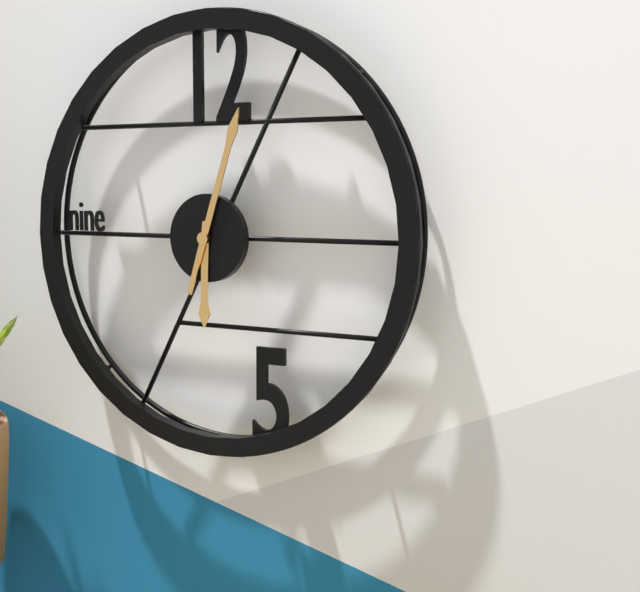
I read 6.03
